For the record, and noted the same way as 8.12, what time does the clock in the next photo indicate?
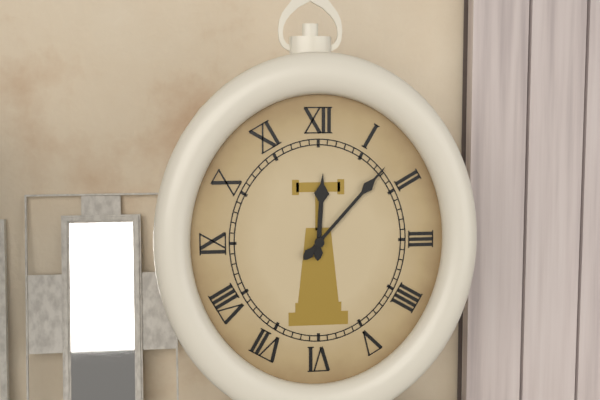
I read 12.07
